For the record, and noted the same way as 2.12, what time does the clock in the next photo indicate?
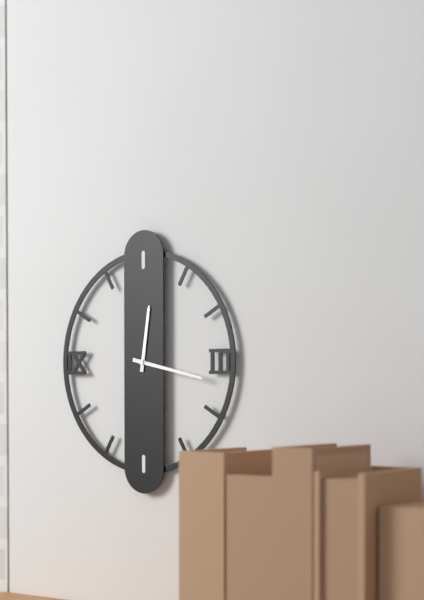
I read 12.17
